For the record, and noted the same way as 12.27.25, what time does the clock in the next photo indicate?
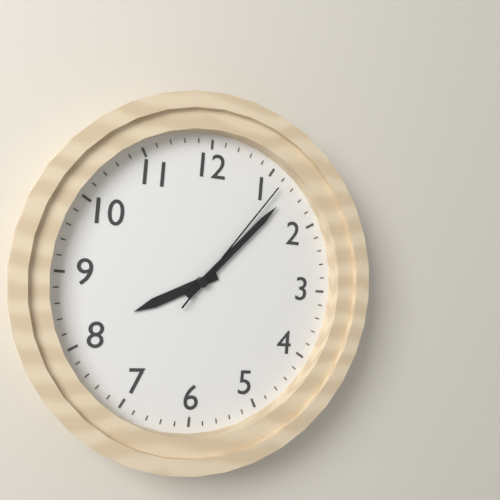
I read 8.07.06
